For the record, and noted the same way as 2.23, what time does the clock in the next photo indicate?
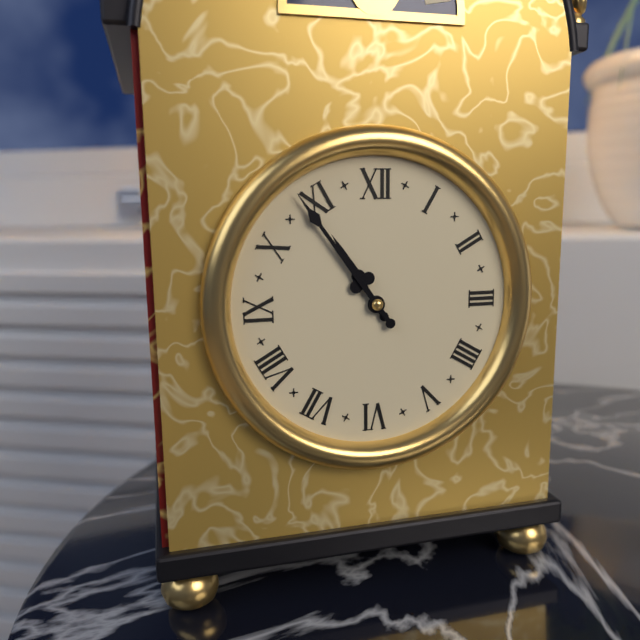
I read 10.54
